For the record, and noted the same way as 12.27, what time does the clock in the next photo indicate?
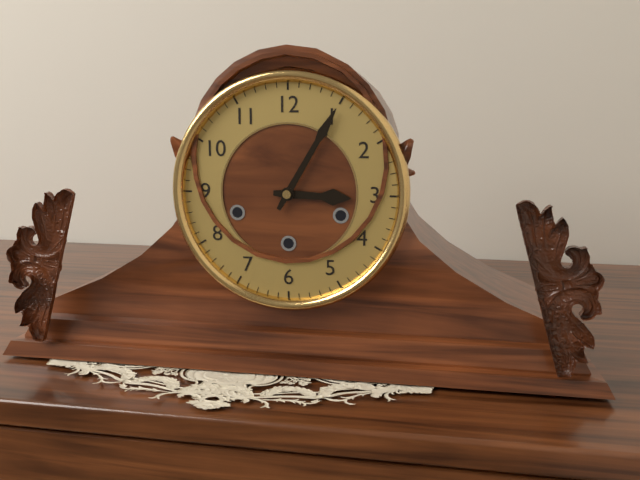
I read 3.05
